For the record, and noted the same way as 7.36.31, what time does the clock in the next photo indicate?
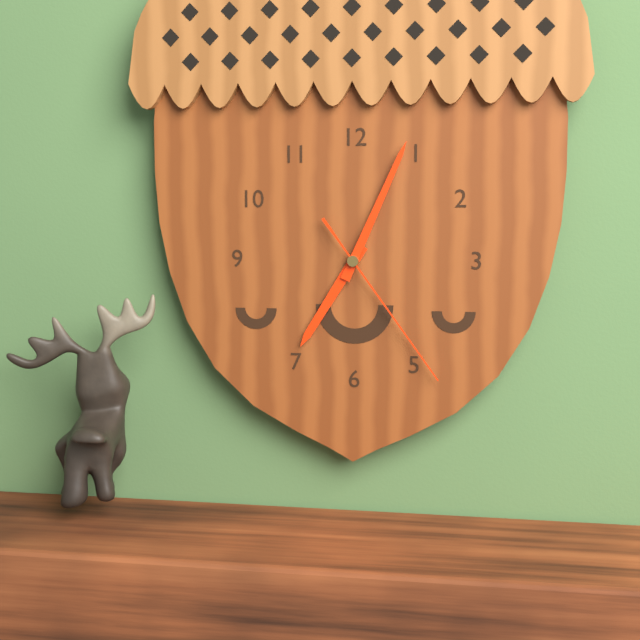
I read 7.04.24
